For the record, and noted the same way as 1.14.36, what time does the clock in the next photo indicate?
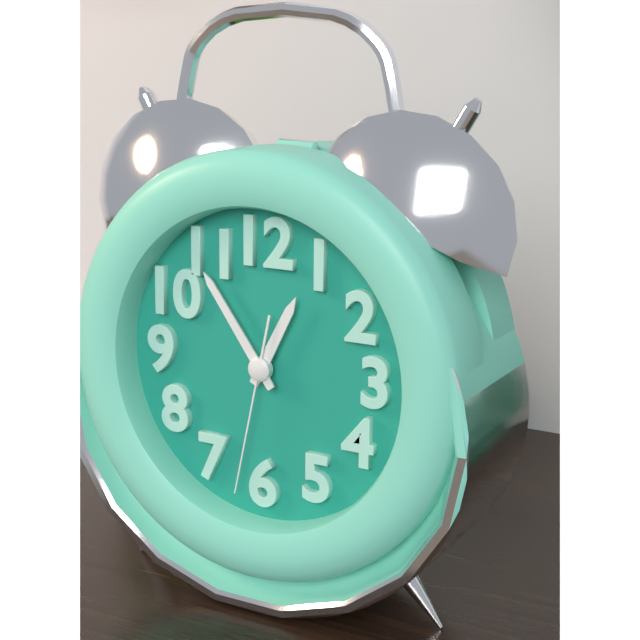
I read 12.54.32
